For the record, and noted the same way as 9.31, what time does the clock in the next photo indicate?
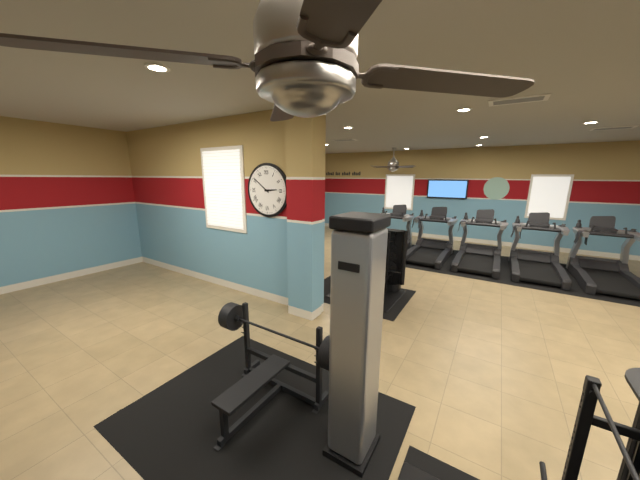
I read 2.51
